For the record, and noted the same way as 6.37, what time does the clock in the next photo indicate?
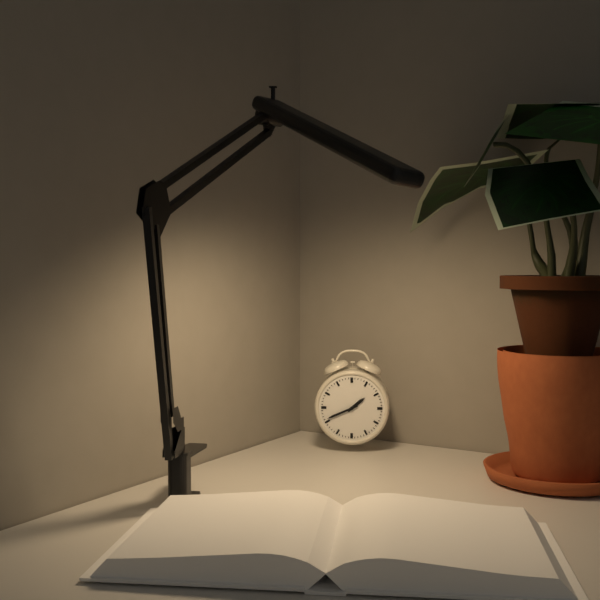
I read 1.41
